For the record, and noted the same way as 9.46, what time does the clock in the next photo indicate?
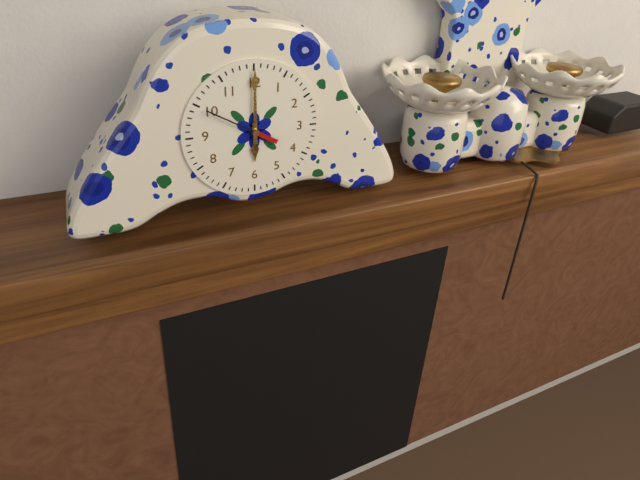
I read 6.00
